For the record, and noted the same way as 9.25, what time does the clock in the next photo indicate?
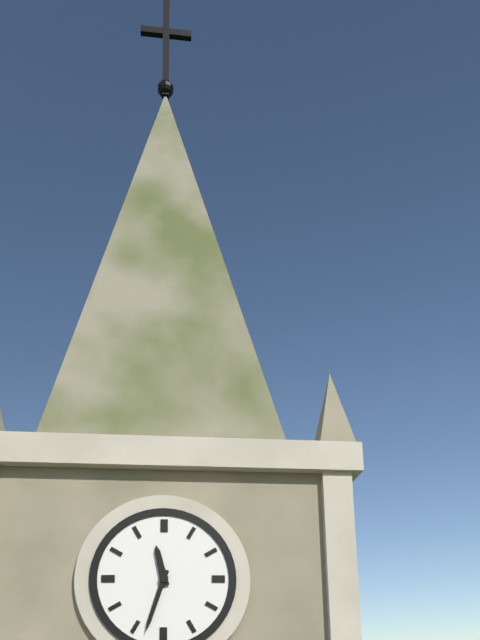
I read 11.33
